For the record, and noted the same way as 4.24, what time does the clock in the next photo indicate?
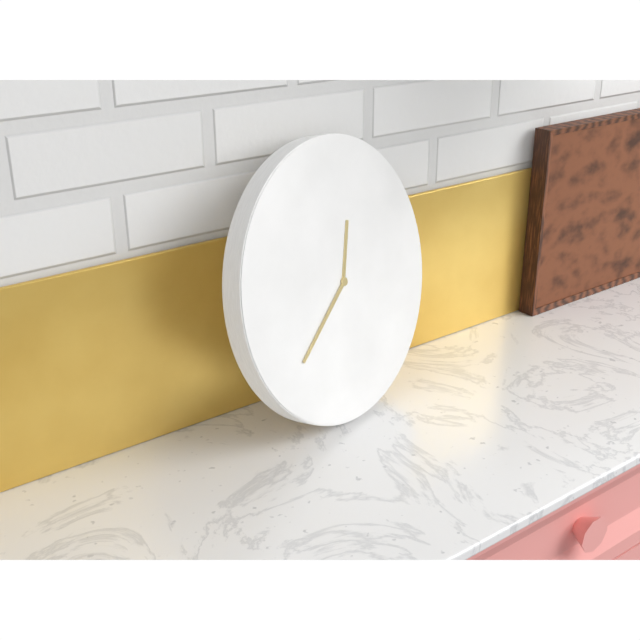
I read 12.39
